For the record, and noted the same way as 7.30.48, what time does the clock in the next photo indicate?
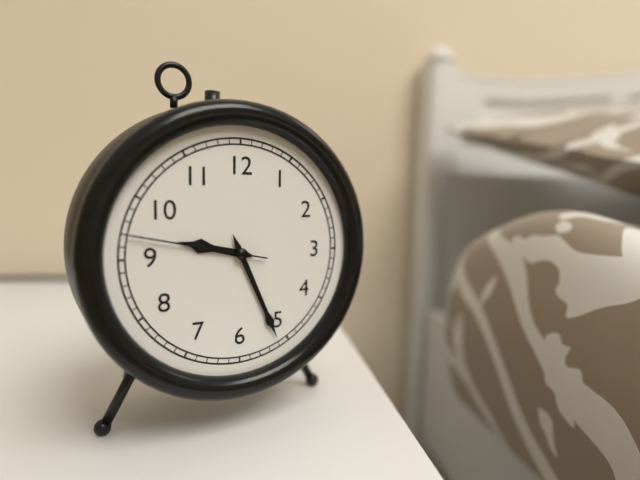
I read 9.26.47
